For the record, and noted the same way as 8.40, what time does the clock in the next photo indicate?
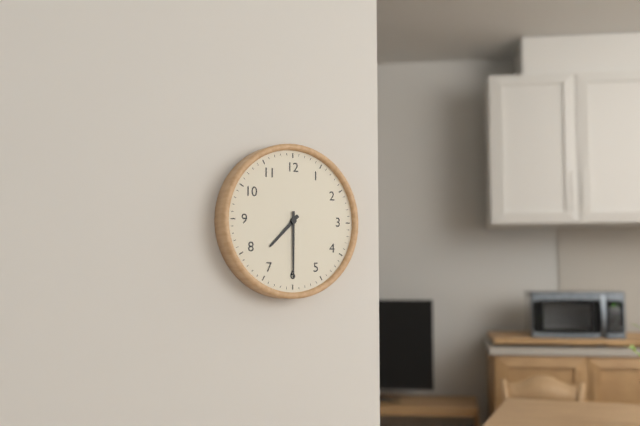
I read 7.30
